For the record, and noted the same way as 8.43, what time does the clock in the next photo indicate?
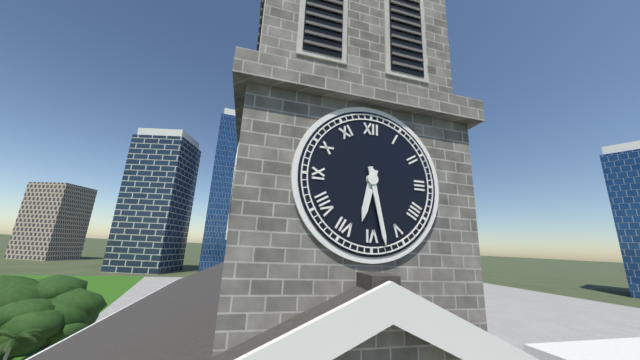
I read 6.28
